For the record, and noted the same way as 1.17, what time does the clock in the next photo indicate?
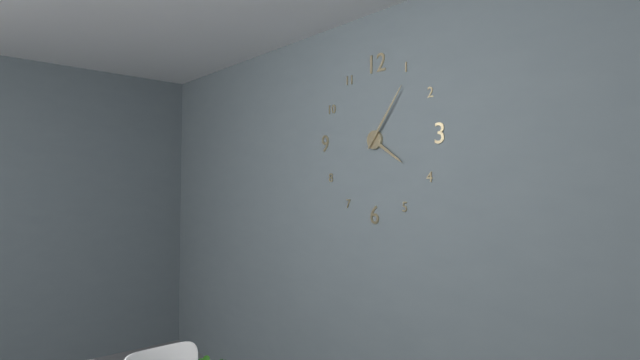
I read 4.06
